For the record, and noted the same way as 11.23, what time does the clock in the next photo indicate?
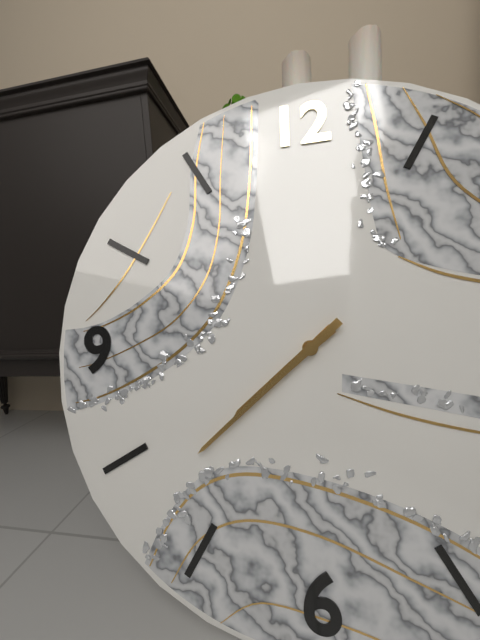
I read 7.38
